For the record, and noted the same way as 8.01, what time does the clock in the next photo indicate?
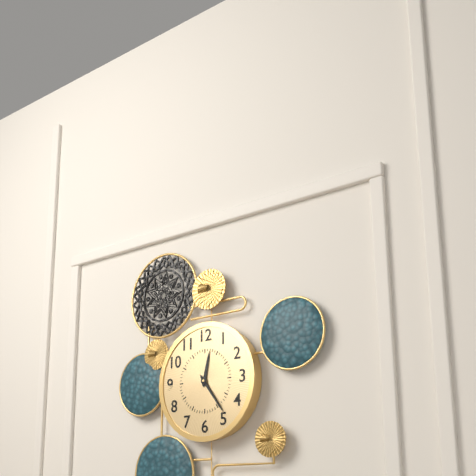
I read 12.24
